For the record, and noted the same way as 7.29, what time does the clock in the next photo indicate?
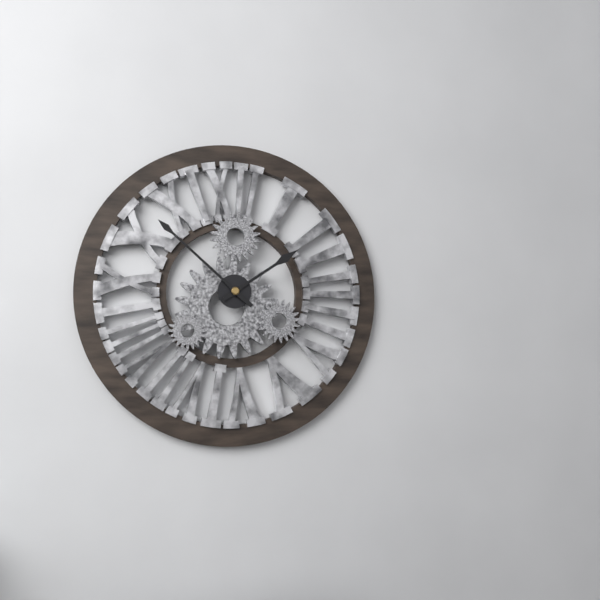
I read 1.52
